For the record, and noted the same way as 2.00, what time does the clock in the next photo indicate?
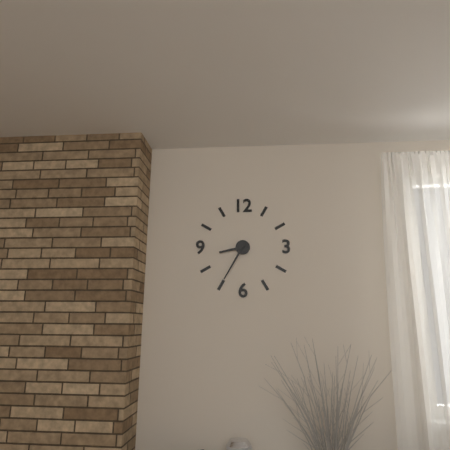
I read 8.35
